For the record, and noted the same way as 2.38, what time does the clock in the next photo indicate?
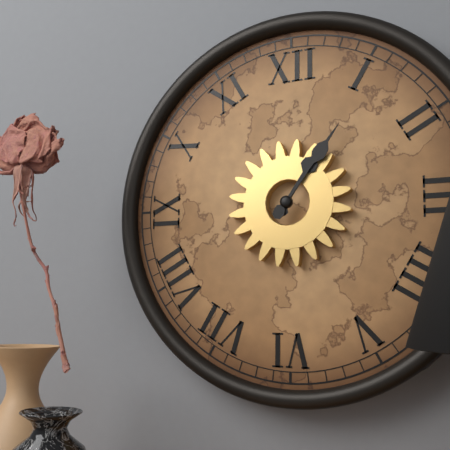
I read 1.06
